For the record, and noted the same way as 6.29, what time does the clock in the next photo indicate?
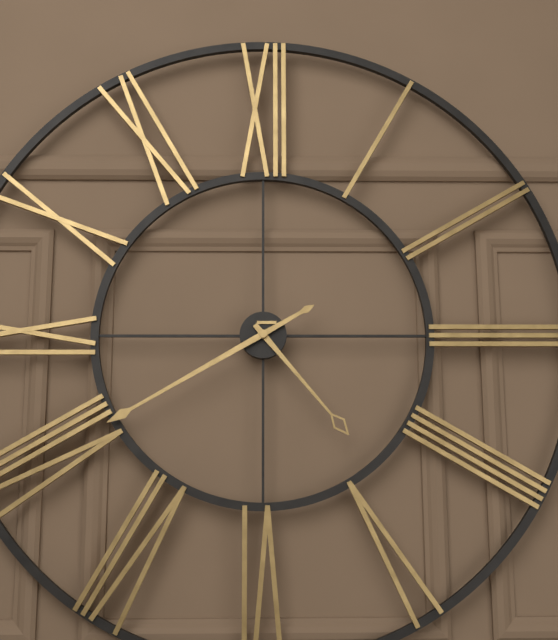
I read 4.40
